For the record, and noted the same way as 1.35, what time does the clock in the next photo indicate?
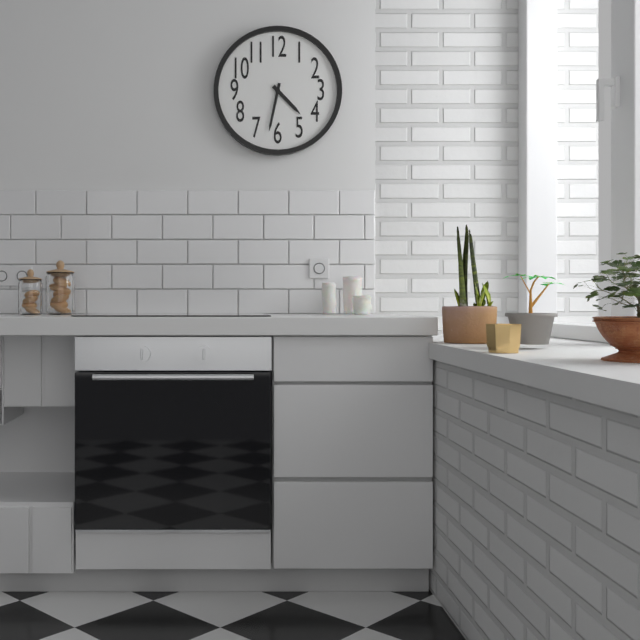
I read 4.32
